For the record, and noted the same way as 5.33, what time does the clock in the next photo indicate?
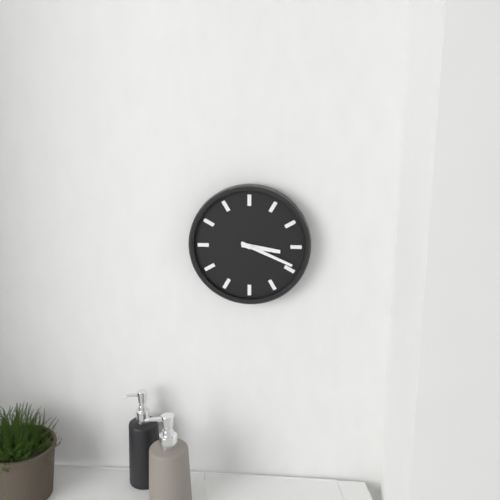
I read 3.19
